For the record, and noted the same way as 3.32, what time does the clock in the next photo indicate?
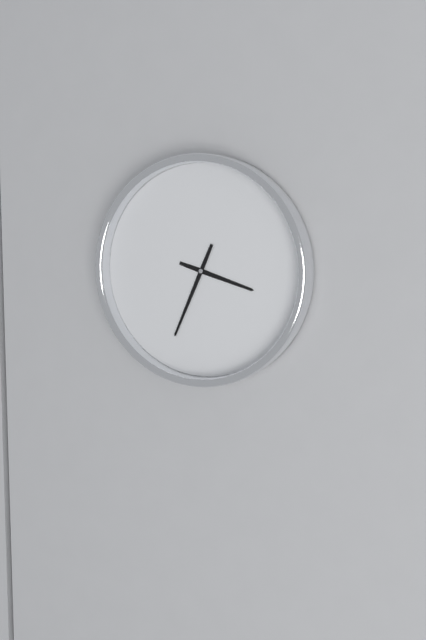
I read 3.34
